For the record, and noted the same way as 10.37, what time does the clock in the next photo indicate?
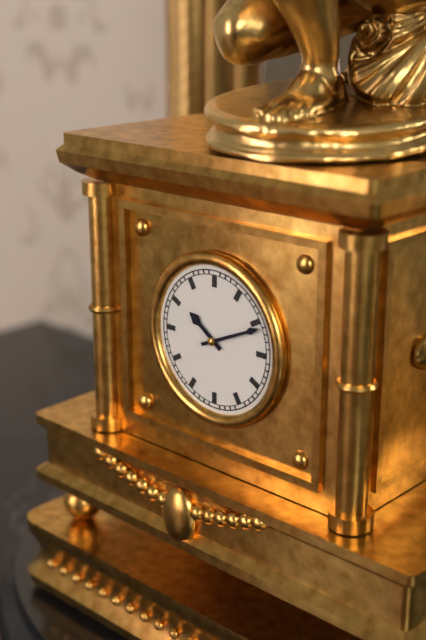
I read 10.11
